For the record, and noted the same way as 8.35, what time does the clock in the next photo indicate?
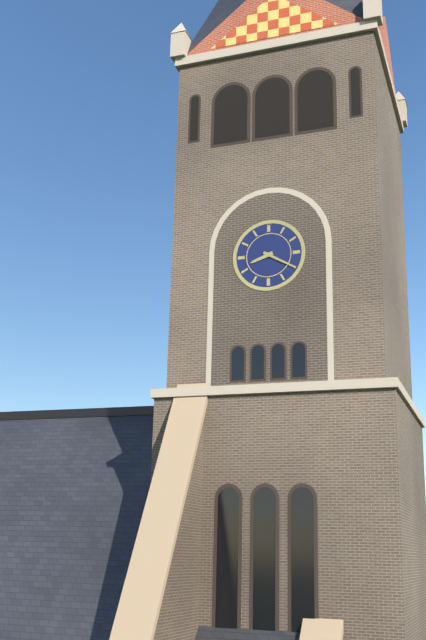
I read 8.20
